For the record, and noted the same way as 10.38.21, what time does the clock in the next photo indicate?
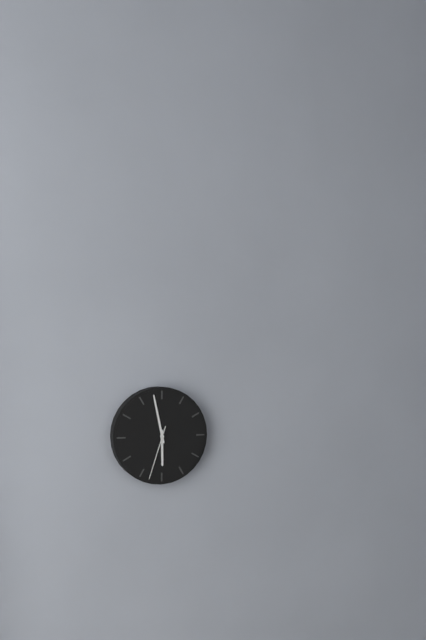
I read 5.58.33
